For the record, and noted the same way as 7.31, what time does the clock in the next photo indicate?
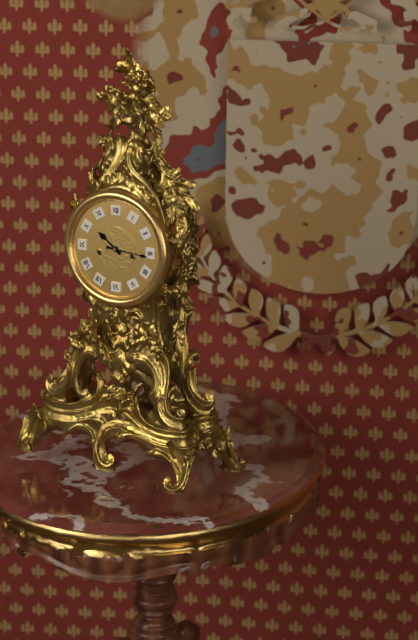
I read 10.16
